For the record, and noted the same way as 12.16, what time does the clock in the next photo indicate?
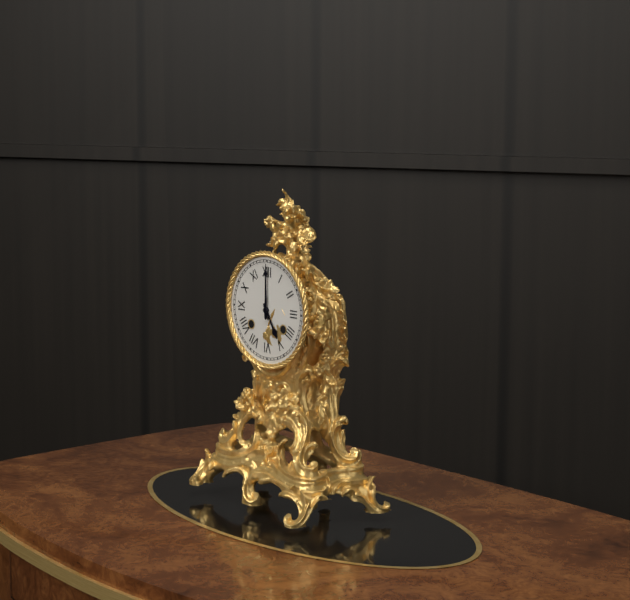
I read 5.00
